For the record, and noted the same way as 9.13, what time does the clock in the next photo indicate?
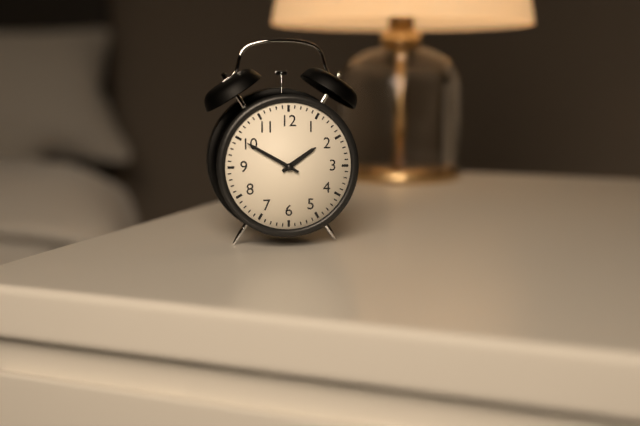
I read 1.50
